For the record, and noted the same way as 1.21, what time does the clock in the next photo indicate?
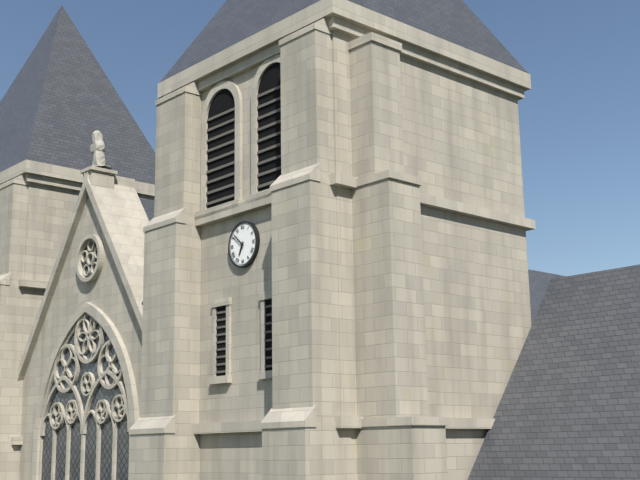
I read 6.52
